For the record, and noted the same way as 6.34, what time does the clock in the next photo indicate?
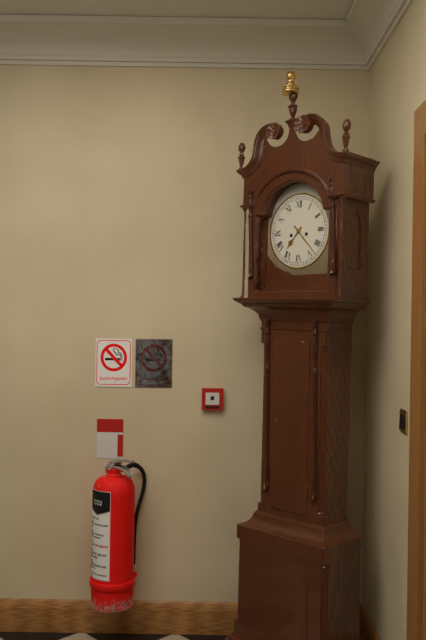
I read 7.23
